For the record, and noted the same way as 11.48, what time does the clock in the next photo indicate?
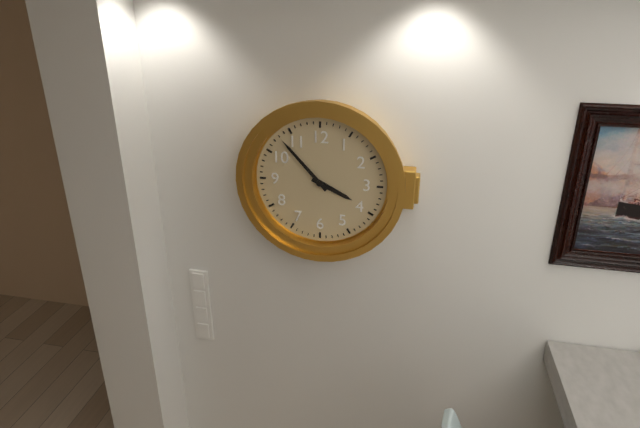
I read 3.53
